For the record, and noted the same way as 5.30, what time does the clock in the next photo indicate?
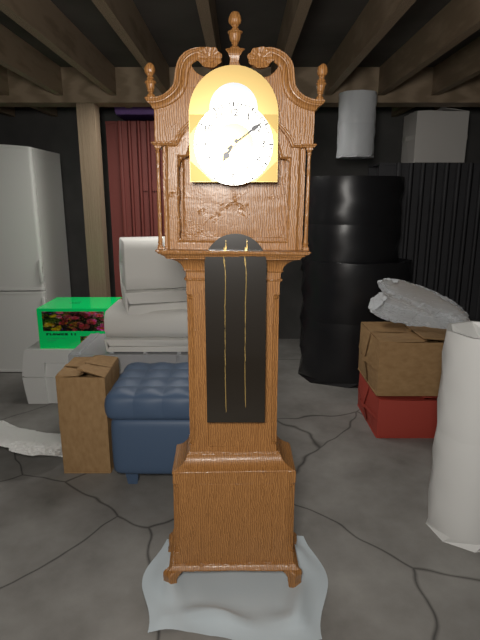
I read 7.09
